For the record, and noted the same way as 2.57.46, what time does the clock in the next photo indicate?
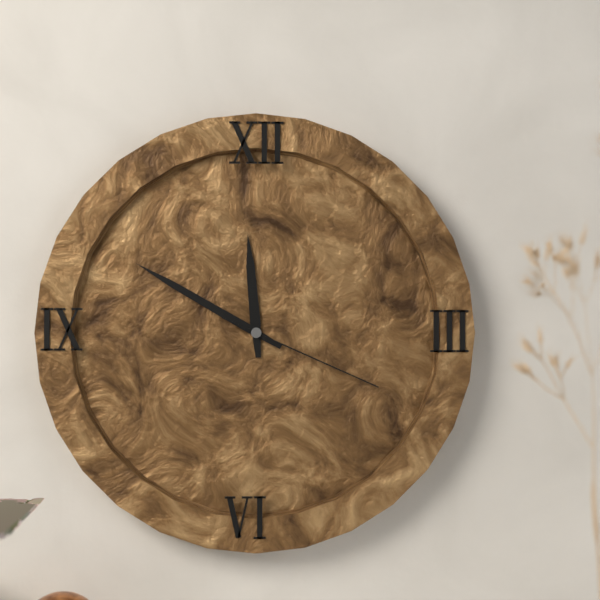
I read 11.50.19
